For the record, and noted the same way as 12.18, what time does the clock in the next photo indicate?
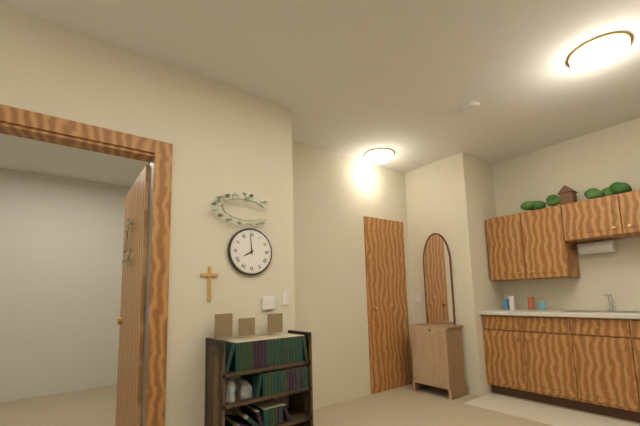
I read 7.59
